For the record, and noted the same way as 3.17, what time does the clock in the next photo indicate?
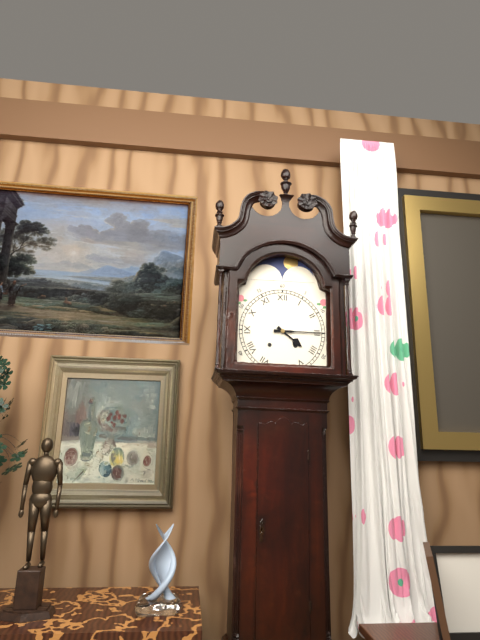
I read 4.15
